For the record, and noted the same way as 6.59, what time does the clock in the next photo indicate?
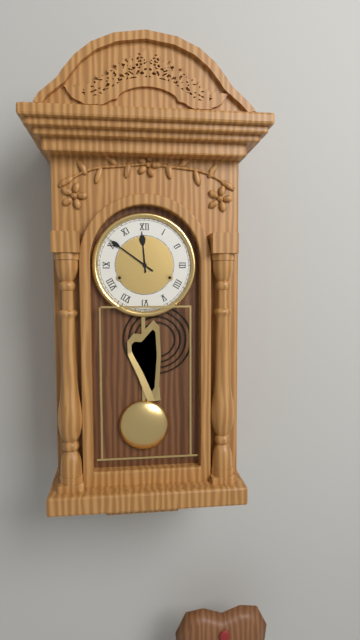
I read 11.51
